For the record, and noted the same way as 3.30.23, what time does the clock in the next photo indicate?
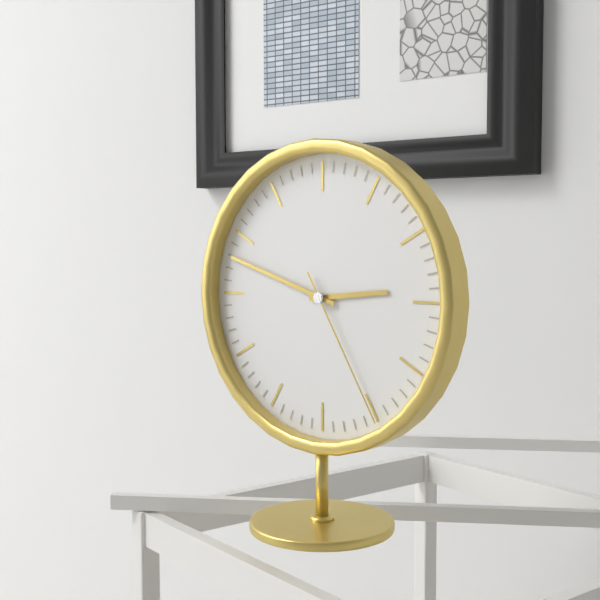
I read 2.48.25
